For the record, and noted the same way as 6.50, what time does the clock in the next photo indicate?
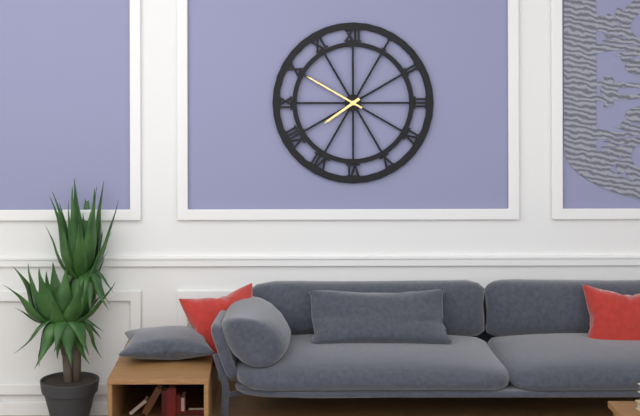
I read 7.50
